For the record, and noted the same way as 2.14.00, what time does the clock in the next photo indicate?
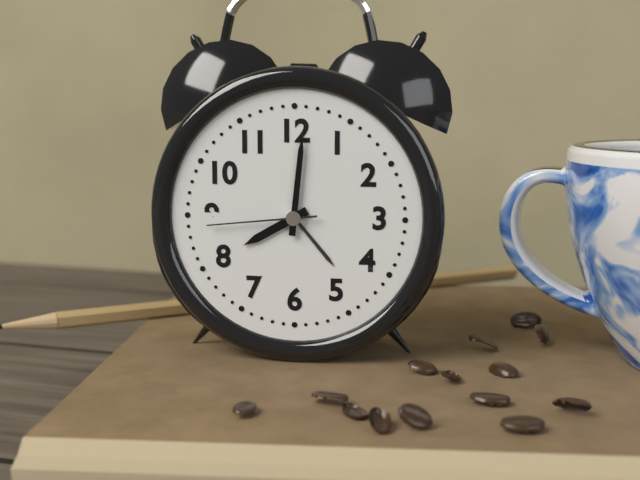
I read 8.01.44
